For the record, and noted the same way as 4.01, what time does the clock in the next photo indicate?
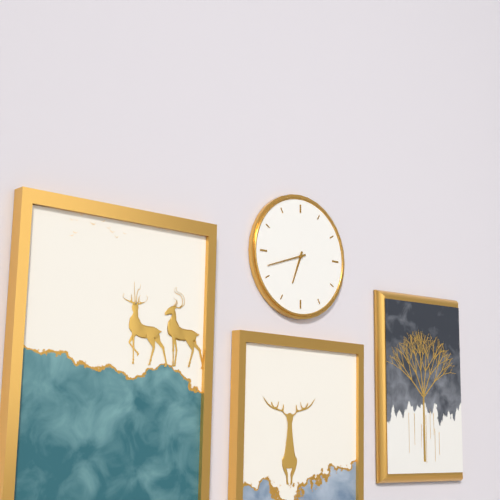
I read 6.42
